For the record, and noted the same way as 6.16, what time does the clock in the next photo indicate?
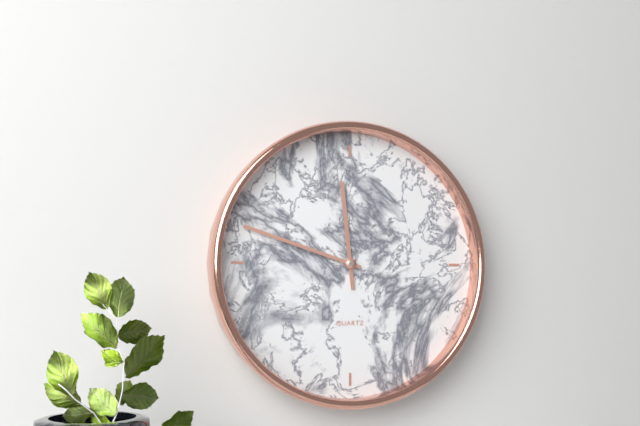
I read 11.48
